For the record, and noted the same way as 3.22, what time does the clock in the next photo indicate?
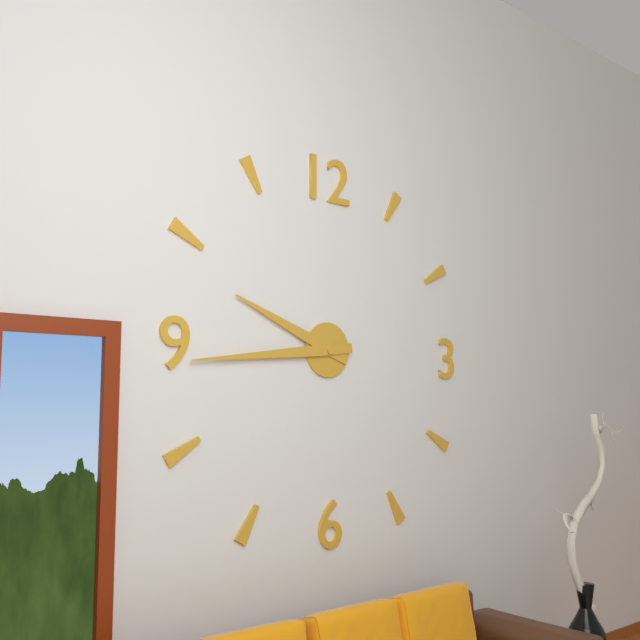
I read 9.44
